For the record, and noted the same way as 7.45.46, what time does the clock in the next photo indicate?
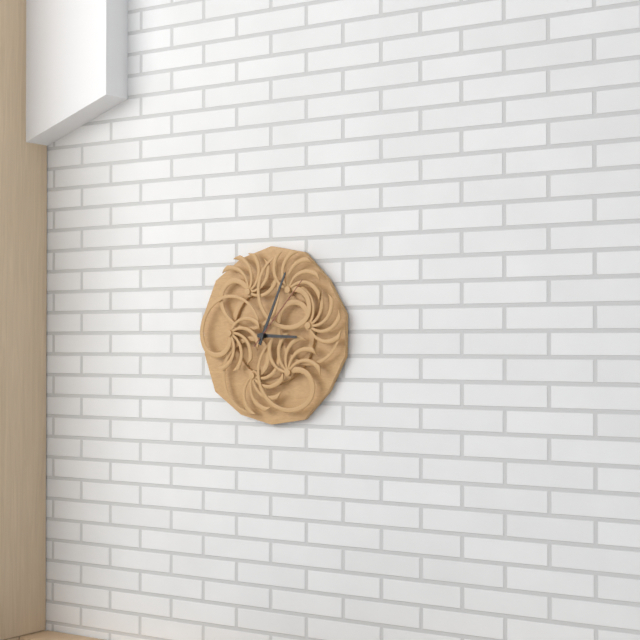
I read 3.04.07
